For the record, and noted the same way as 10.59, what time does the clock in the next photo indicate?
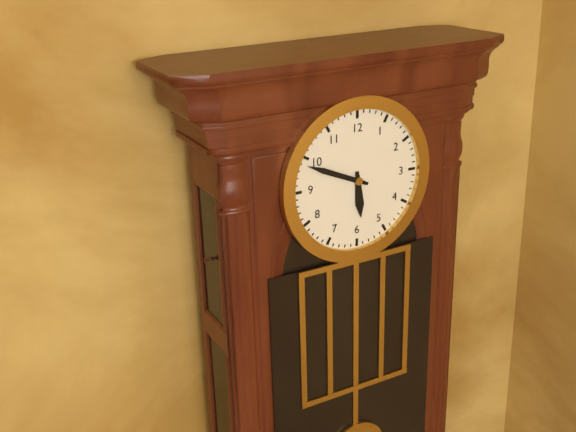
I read 5.49
